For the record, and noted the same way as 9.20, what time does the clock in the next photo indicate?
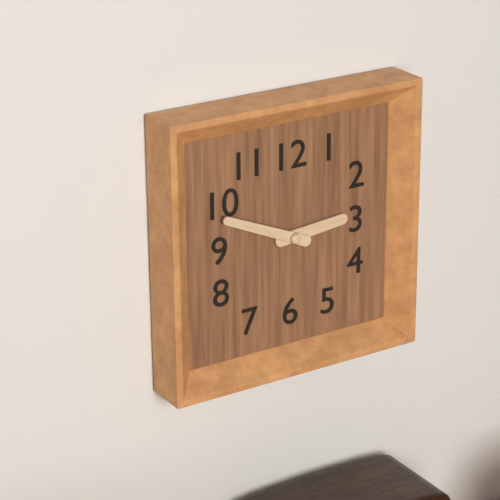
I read 2.49
